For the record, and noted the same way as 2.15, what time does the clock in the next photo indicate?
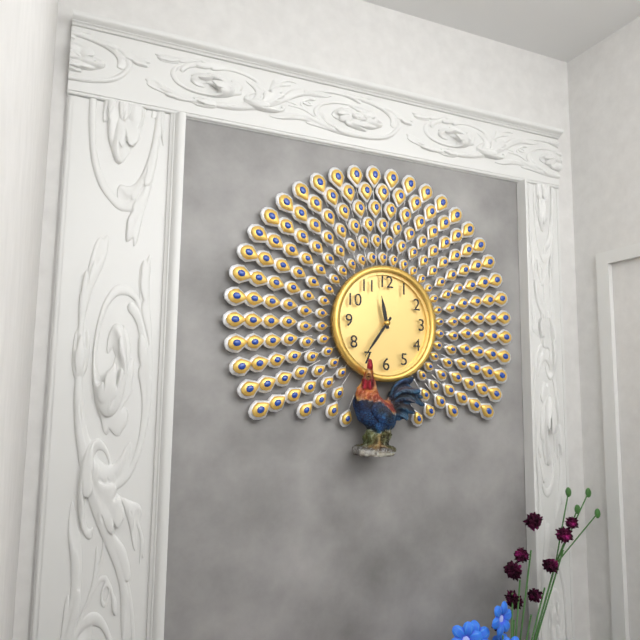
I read 11.36
